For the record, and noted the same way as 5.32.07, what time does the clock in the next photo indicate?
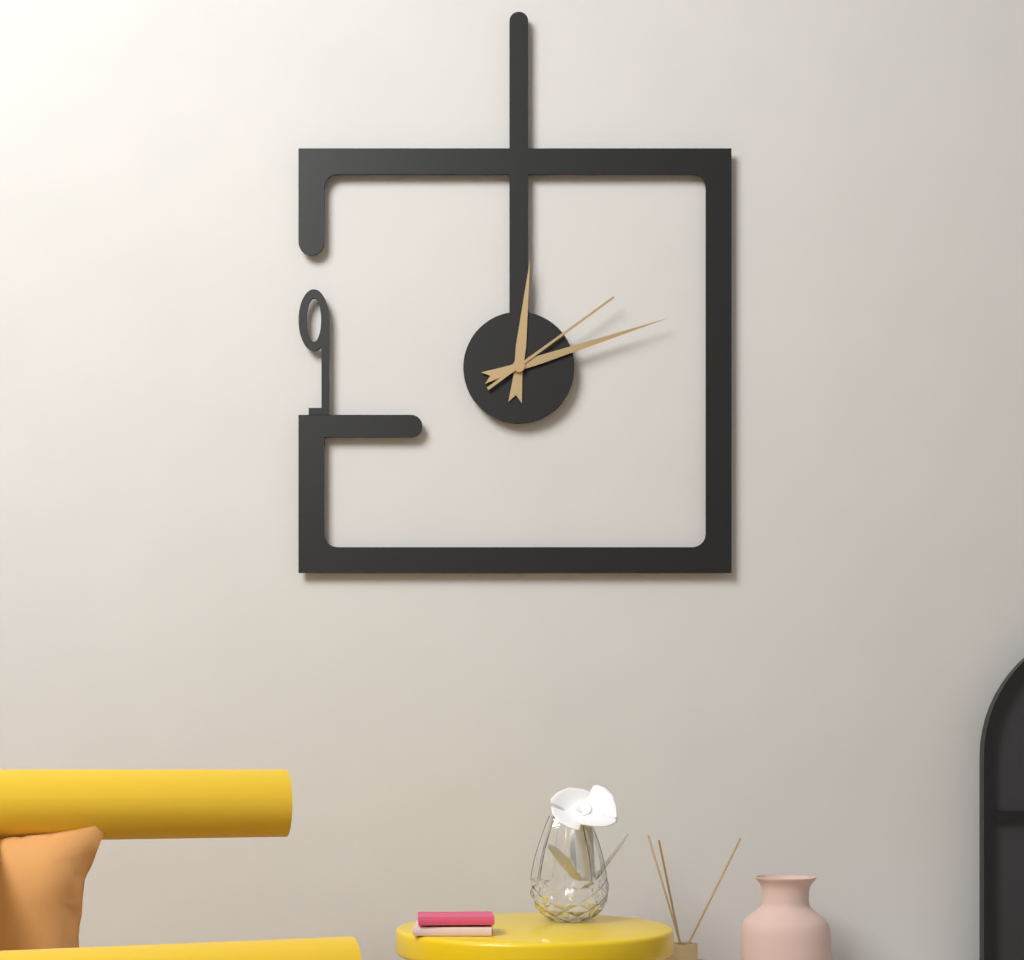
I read 12.12.09
